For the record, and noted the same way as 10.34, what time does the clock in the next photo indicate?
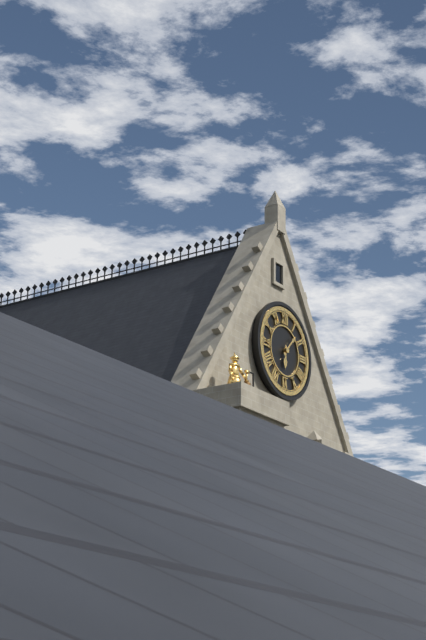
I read 6.07
